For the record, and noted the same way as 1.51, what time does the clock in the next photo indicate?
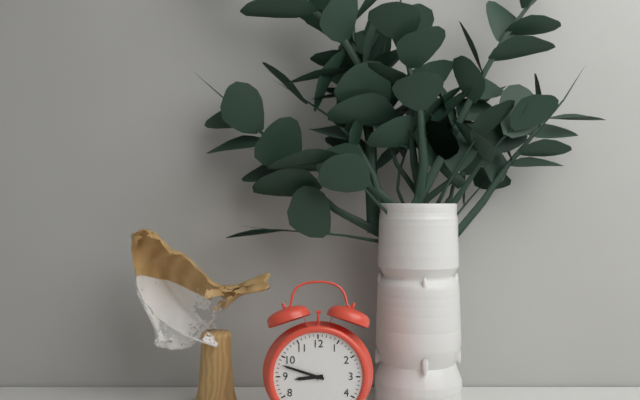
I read 8.48
